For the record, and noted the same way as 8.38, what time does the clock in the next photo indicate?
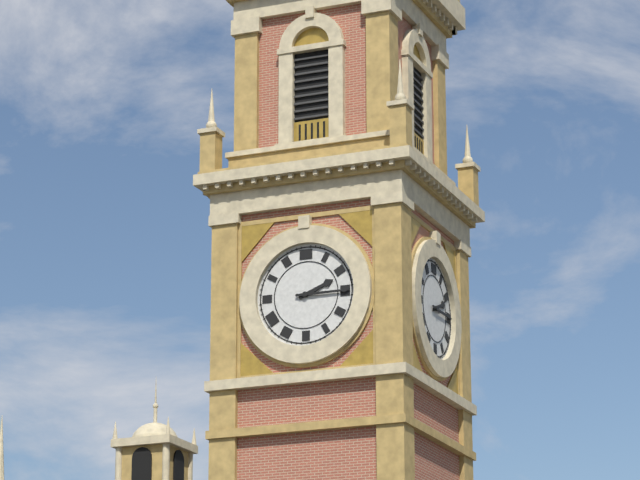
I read 2.15
